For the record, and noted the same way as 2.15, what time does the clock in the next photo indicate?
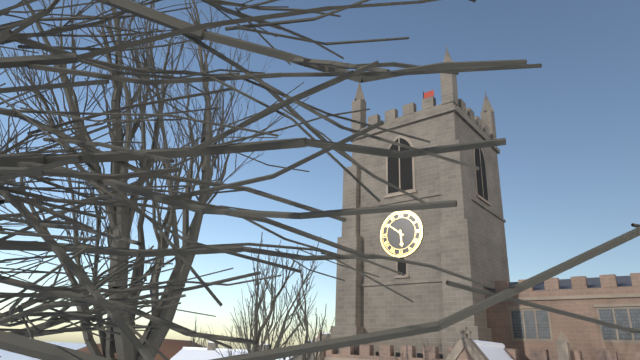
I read 5.51
